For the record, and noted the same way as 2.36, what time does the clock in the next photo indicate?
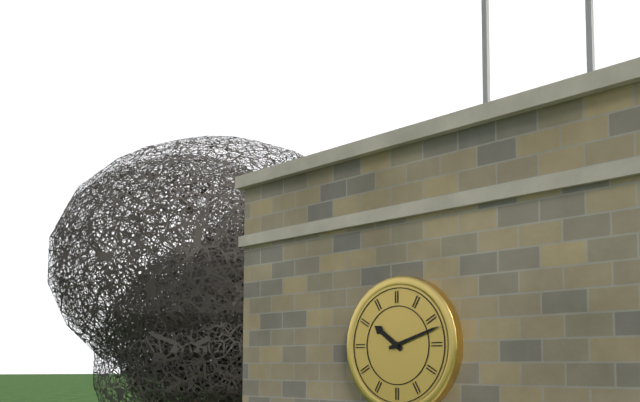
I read 10.12
